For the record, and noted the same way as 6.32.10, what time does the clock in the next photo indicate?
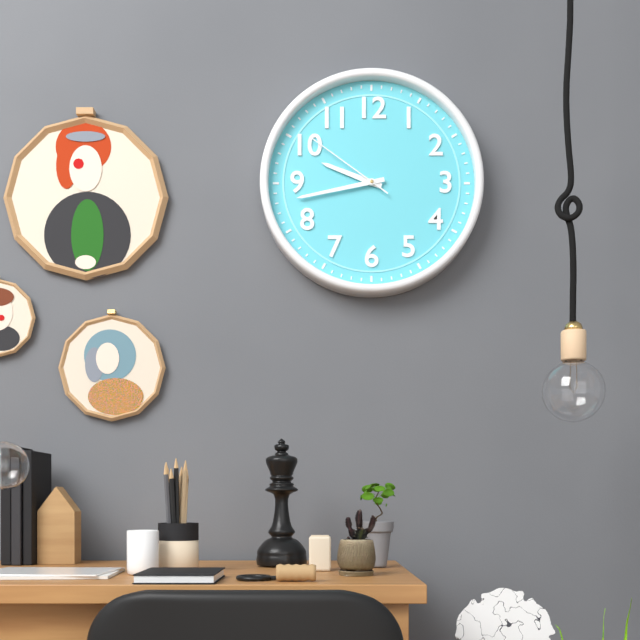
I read 9.43.51
